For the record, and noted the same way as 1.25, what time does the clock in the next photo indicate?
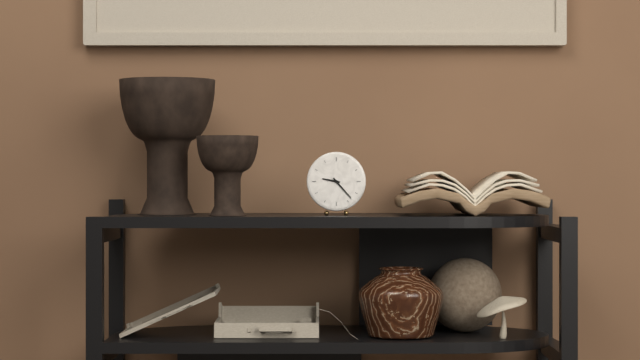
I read 9.23
